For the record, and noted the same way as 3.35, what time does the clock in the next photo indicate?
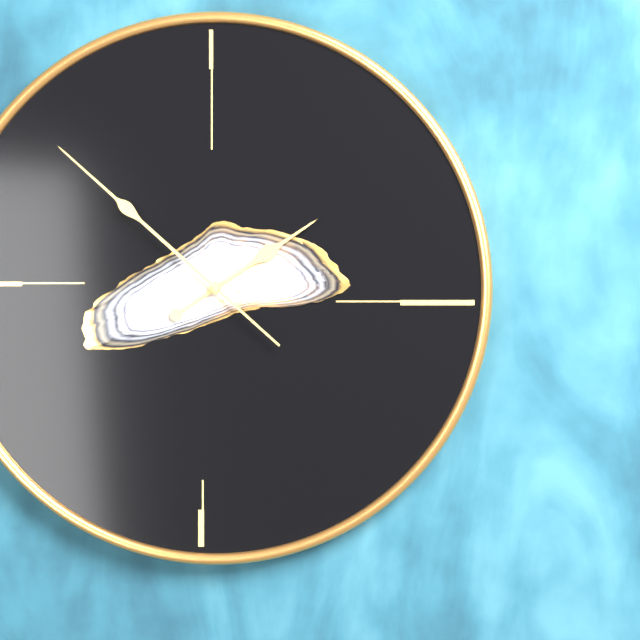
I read 1.52
